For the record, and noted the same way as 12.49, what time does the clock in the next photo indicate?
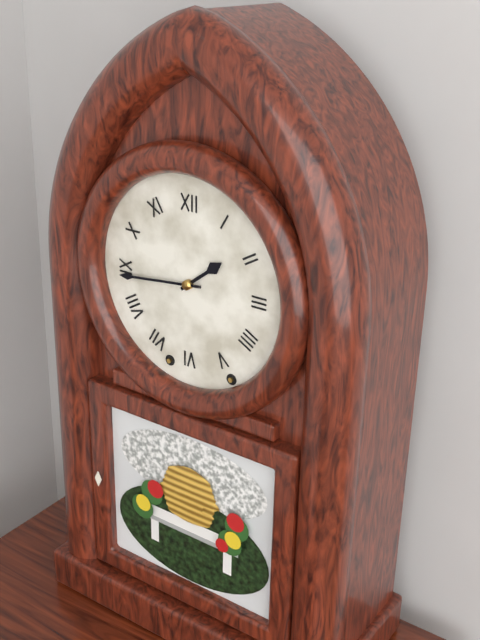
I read 1.44
